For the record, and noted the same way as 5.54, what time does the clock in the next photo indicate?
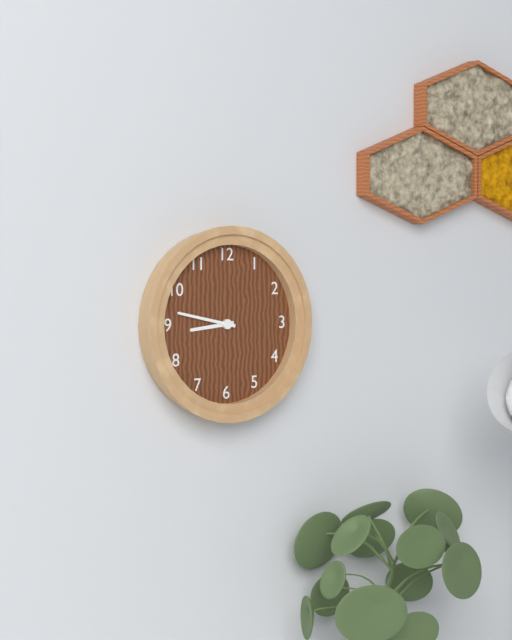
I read 8.47
